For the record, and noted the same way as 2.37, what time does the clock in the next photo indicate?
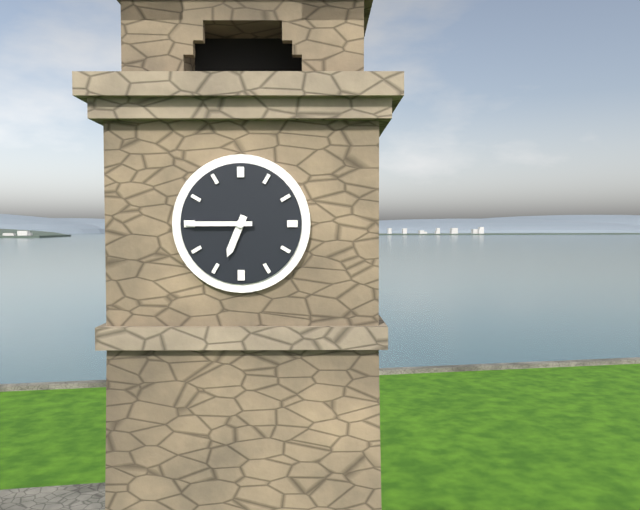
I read 6.45
